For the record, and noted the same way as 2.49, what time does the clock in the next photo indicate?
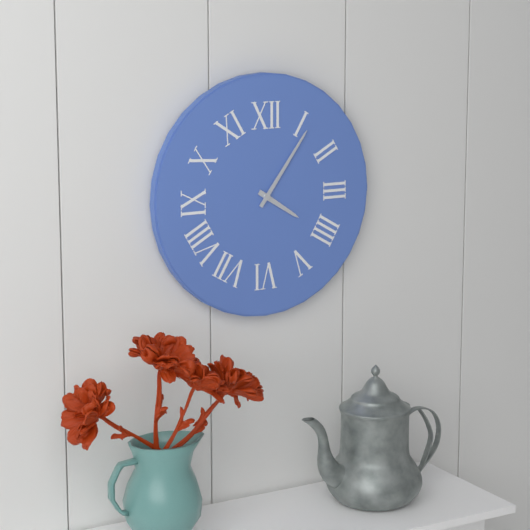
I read 4.06
